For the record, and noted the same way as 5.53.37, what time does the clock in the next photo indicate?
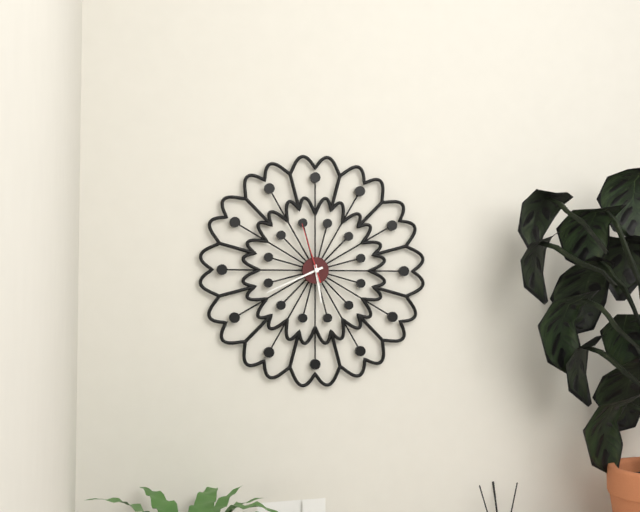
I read 5.41.57
